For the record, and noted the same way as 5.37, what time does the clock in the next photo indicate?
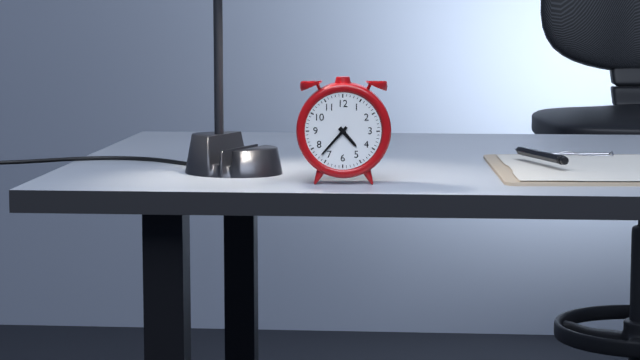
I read 4.37
